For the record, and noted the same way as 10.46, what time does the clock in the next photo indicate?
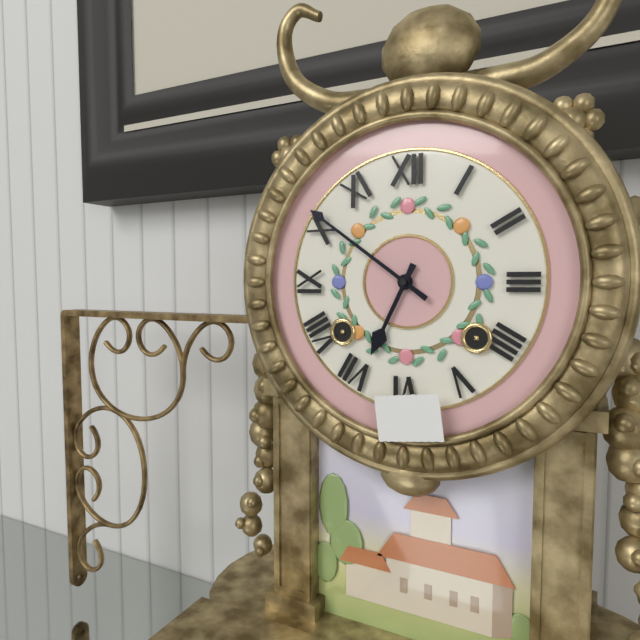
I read 6.51
